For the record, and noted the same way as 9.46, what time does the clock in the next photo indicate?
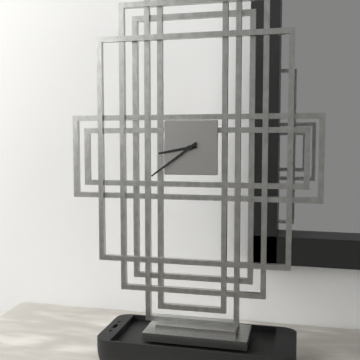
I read 8.39
